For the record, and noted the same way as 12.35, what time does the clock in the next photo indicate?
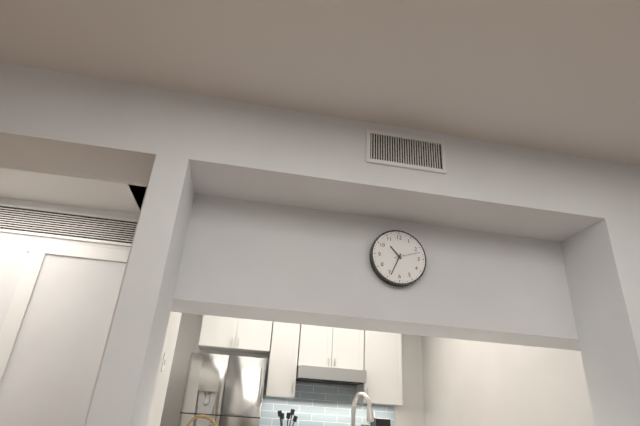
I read 10.34
